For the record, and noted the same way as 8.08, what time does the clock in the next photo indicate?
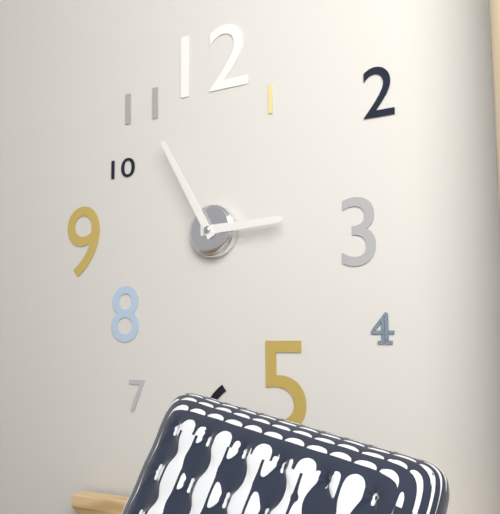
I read 2.55
